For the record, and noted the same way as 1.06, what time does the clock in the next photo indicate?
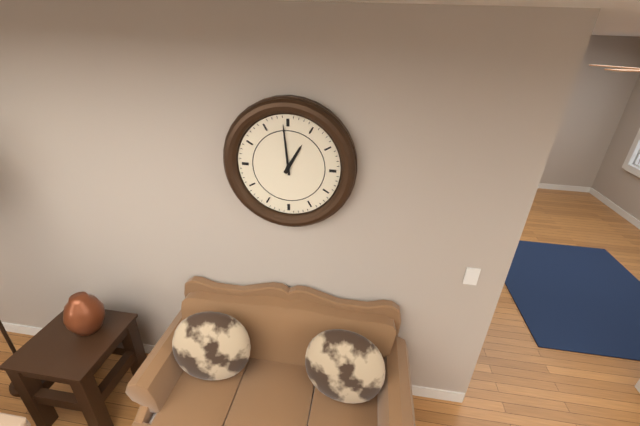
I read 12.59
